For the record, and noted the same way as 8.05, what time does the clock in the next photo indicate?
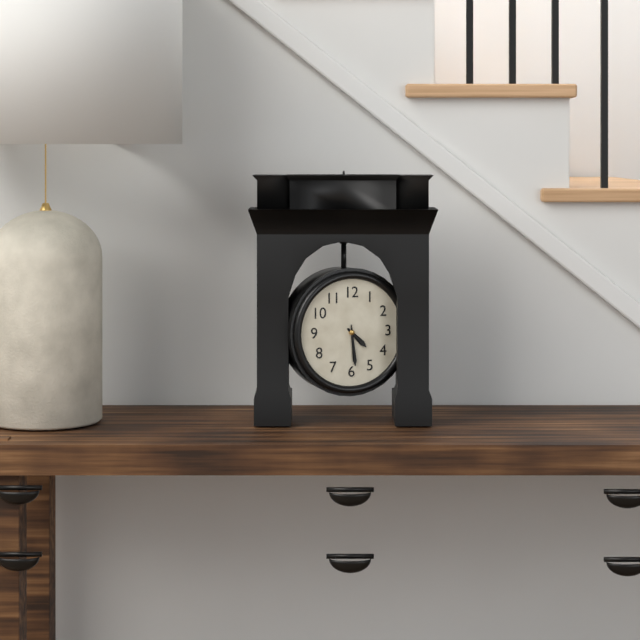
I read 4.29
